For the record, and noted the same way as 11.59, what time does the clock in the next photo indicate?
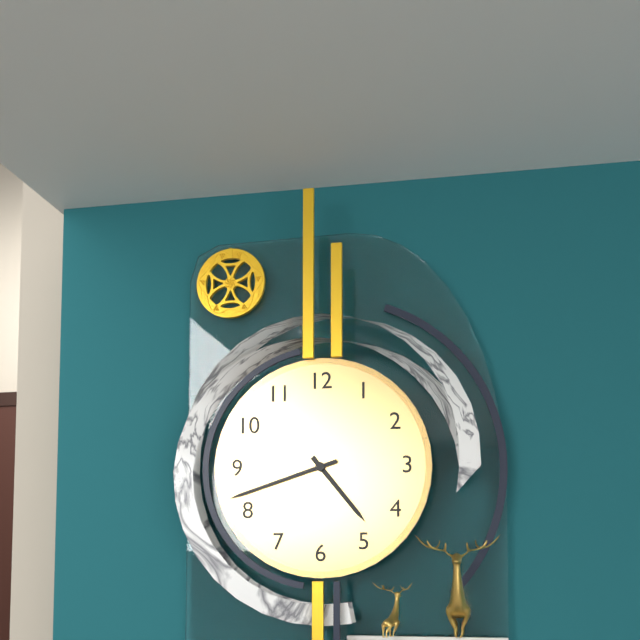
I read 4.42
